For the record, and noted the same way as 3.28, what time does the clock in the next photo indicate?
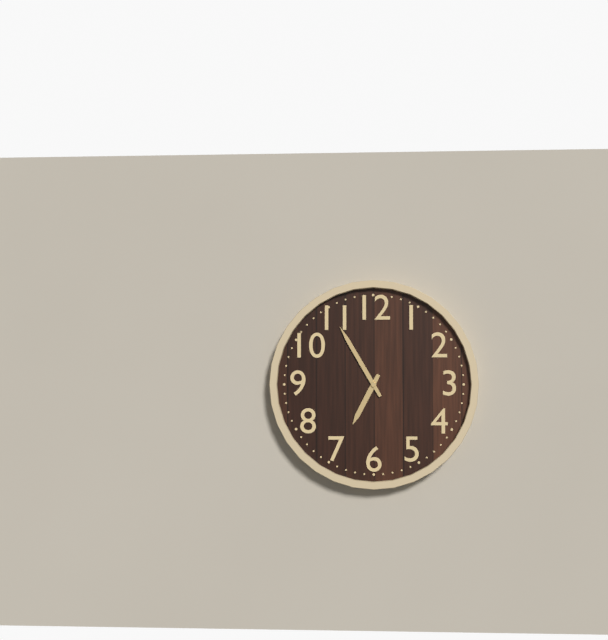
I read 6.55
